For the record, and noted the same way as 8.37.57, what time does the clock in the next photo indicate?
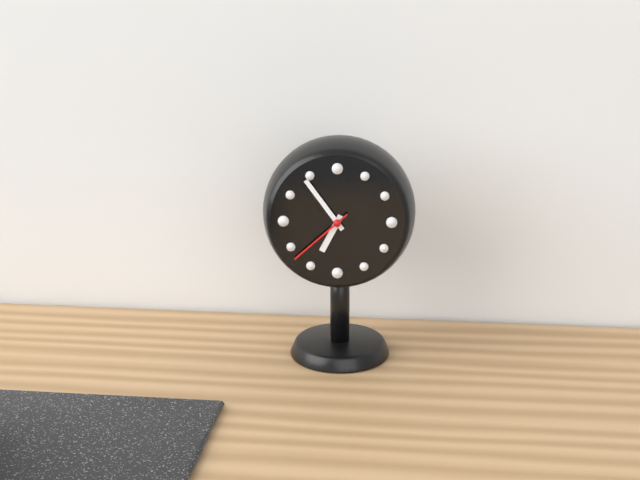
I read 6.54.38
